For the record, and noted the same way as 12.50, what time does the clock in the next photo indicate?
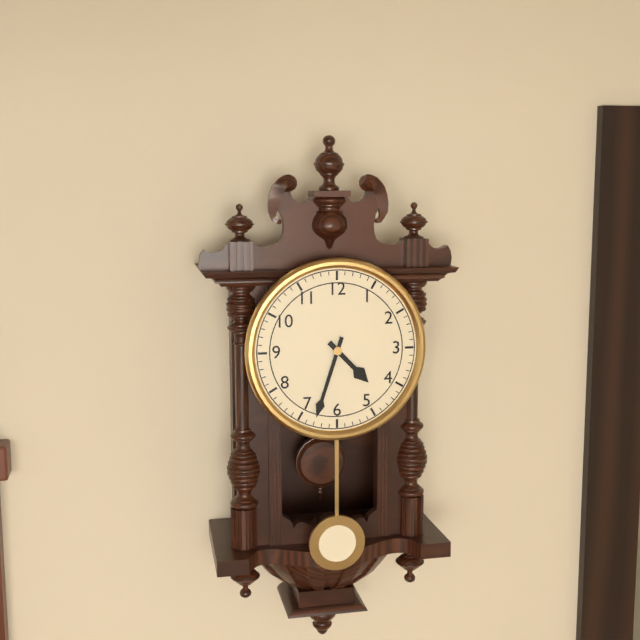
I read 4.33
